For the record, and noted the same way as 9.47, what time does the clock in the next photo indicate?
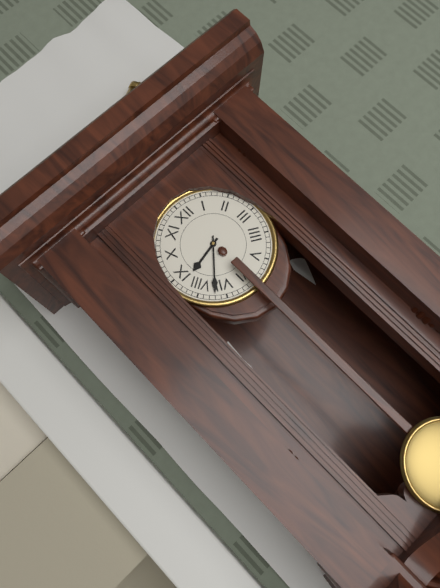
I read 8.37
